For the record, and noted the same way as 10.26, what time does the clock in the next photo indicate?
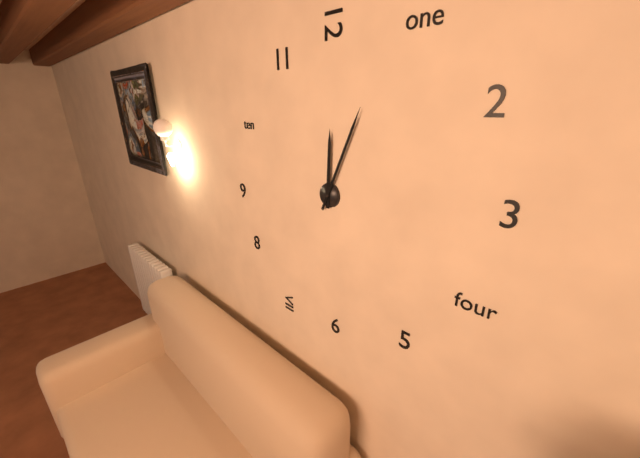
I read 12.04
